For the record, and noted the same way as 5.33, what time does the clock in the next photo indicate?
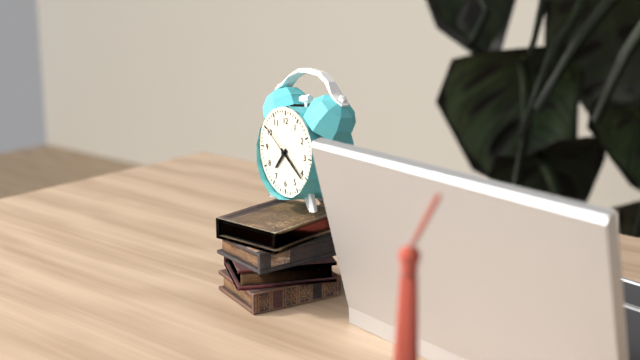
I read 7.21
